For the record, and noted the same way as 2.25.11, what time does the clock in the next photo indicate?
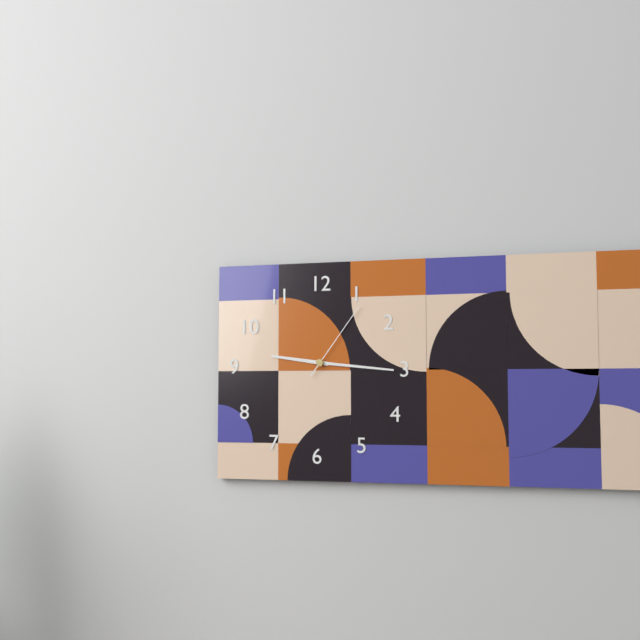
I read 9.16.06
